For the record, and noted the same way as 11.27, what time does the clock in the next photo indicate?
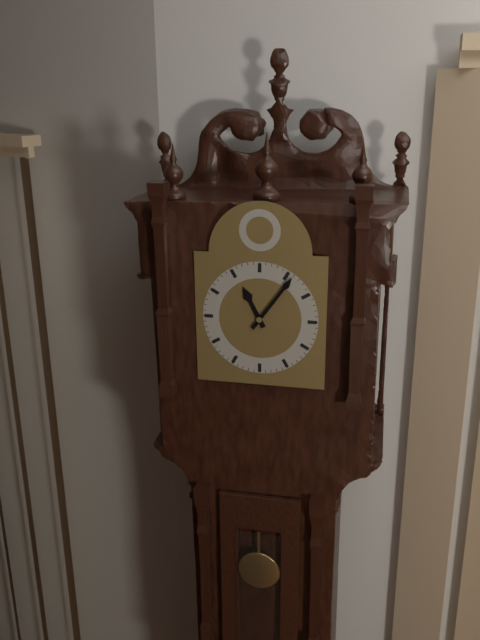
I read 11.06
